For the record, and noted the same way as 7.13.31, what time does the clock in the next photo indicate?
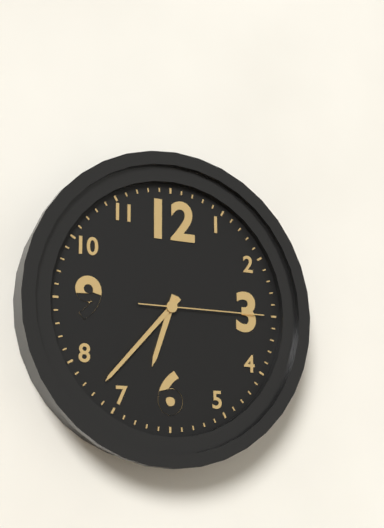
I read 6.37.15
